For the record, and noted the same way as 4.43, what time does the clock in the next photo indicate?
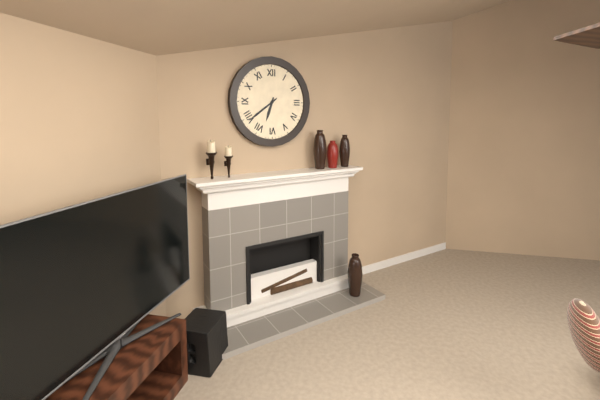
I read 6.39
